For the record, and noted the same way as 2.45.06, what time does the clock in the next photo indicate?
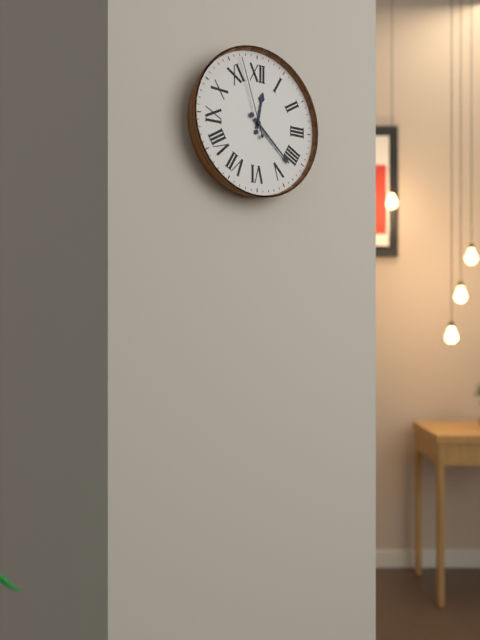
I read 12.22.57
